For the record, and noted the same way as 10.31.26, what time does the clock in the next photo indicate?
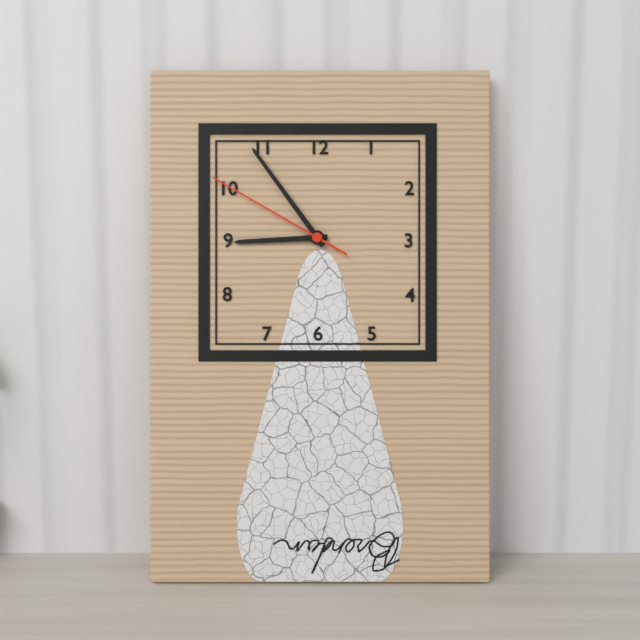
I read 8.54.50
